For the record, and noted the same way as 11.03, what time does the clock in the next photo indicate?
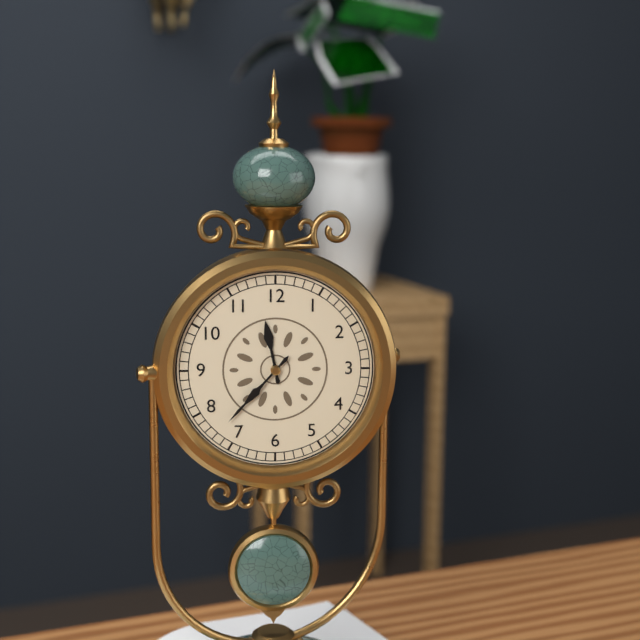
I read 11.37
